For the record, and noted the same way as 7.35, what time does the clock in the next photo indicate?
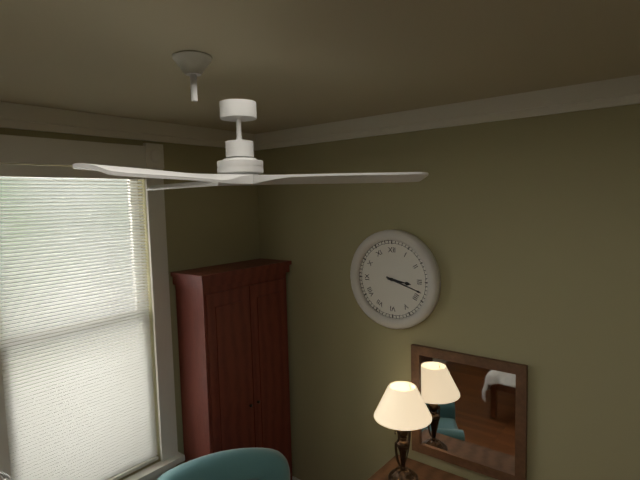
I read 3.18
